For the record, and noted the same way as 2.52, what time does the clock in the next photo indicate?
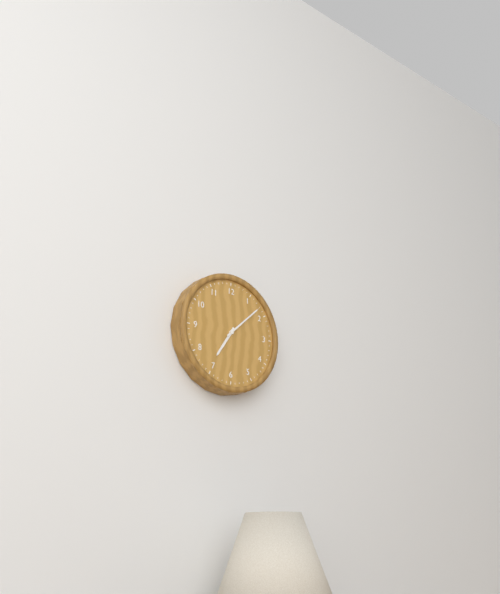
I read 7.08
